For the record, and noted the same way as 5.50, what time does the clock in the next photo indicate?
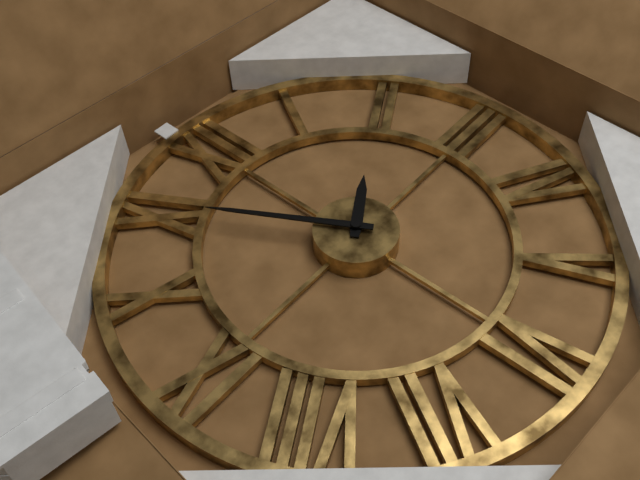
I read 1.55
